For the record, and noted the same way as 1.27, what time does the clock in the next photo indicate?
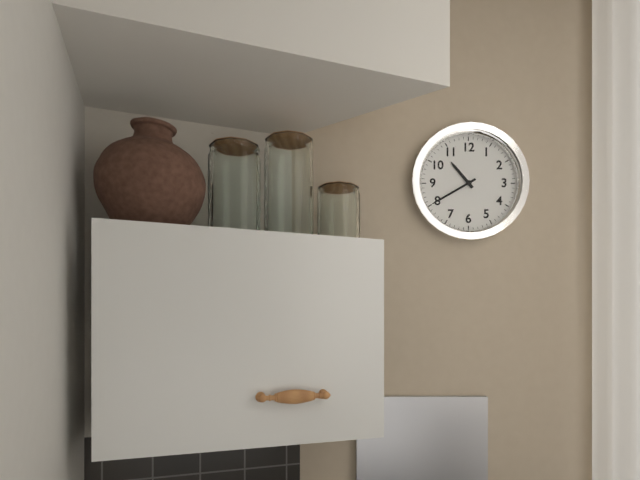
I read 10.40
